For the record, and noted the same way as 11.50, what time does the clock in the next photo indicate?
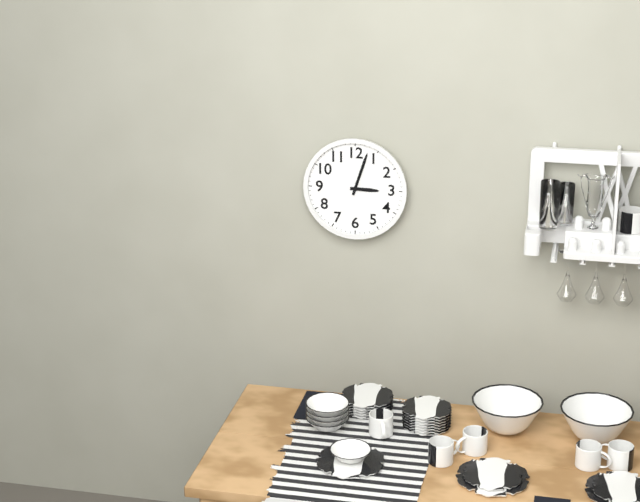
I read 3.03
